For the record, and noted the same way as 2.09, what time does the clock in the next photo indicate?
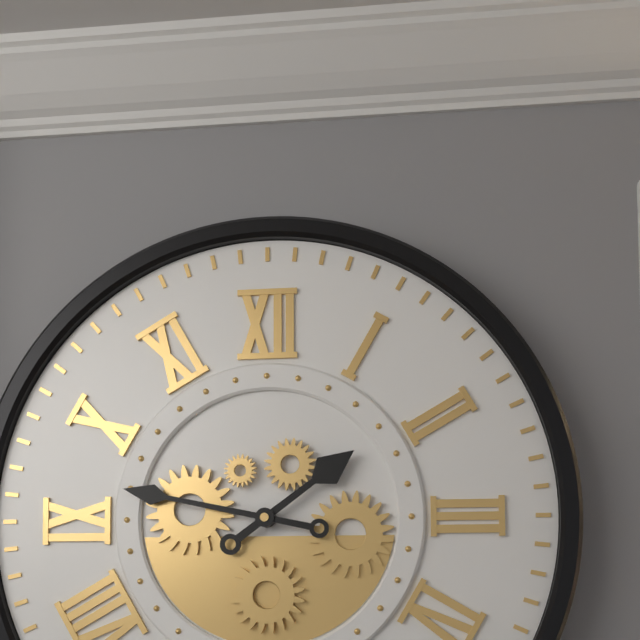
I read 1.47
